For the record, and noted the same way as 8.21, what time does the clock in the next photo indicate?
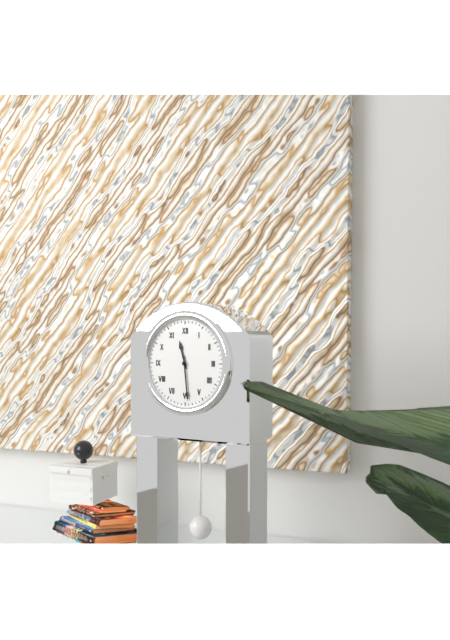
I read 11.29
